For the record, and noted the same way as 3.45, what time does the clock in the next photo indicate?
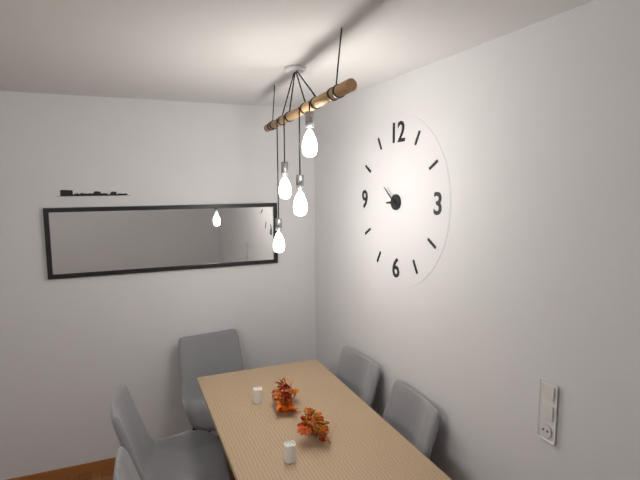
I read 8.51
